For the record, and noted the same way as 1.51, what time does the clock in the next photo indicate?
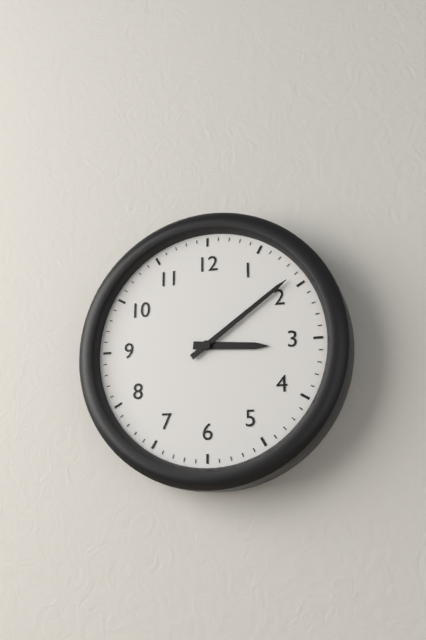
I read 3.09
